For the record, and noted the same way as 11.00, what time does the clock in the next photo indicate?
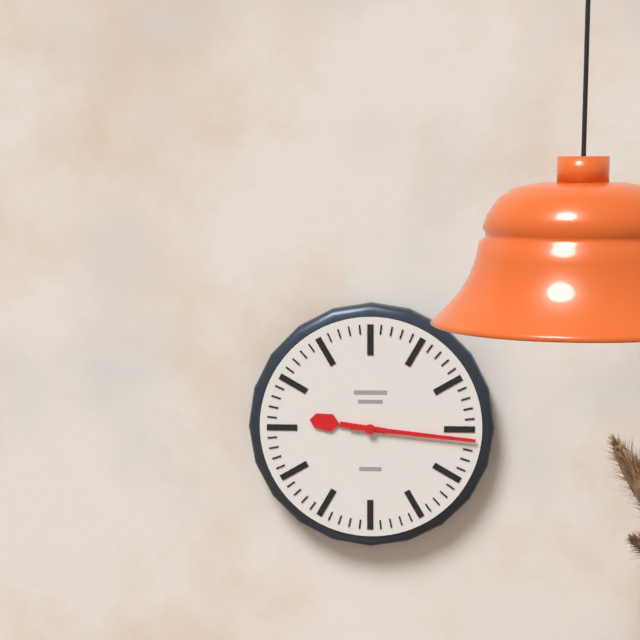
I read 9.16
